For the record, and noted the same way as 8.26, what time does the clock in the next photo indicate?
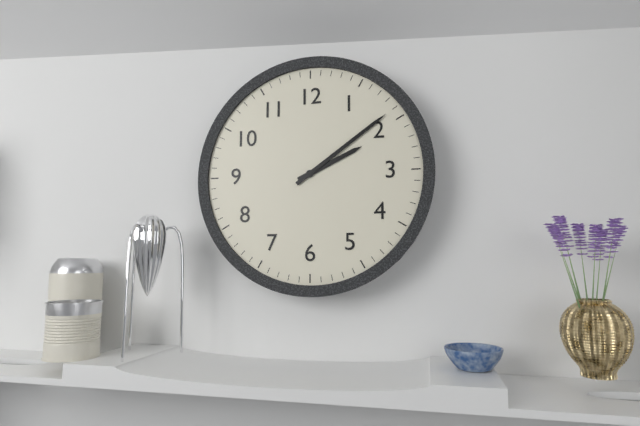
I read 2.09
